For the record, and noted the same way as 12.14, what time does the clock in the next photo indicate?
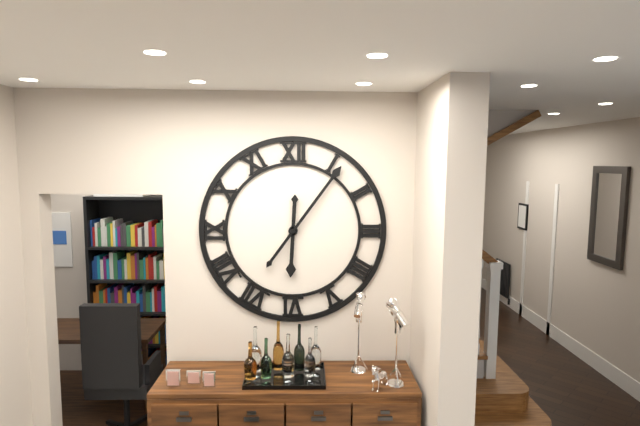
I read 6.06
